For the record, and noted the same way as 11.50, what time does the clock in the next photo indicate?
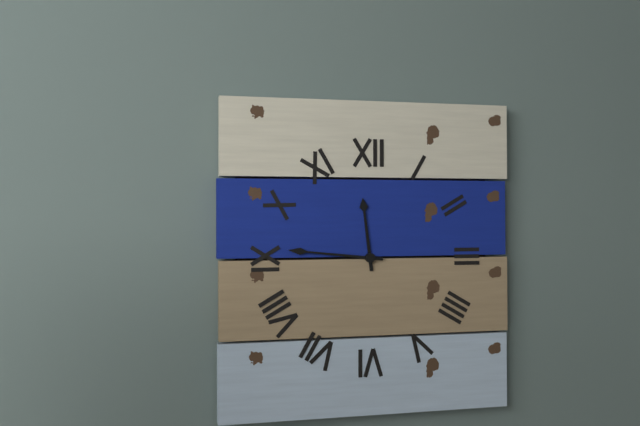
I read 11.46
